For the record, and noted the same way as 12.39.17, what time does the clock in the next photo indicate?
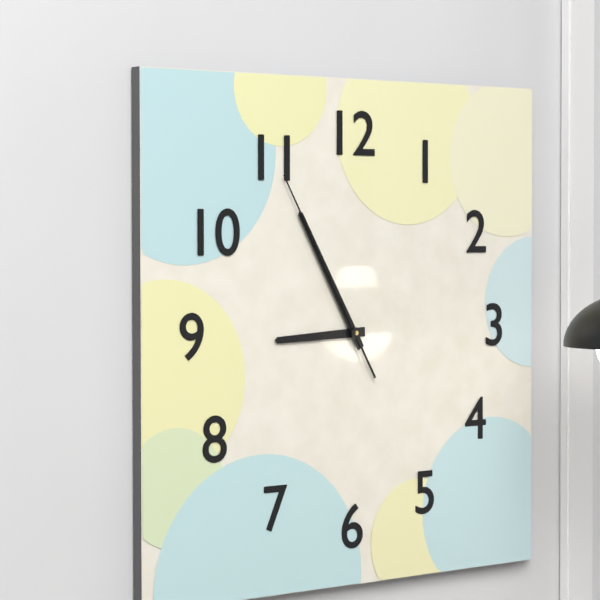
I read 8.55.55
